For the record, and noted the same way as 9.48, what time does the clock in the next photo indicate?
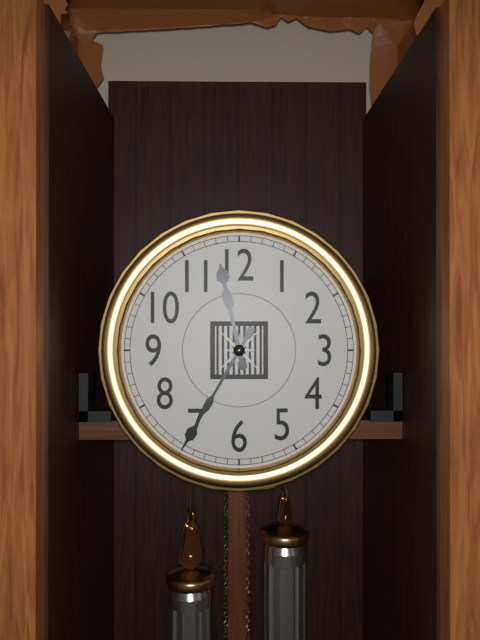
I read 11.35
